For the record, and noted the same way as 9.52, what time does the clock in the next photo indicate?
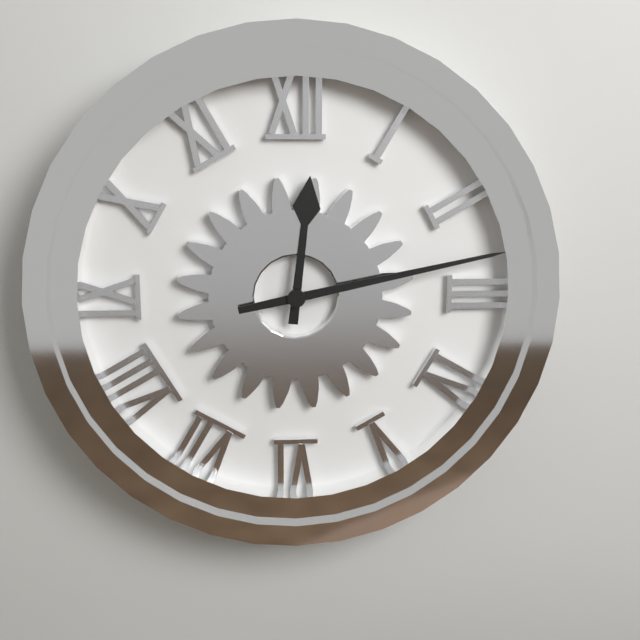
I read 12.13
